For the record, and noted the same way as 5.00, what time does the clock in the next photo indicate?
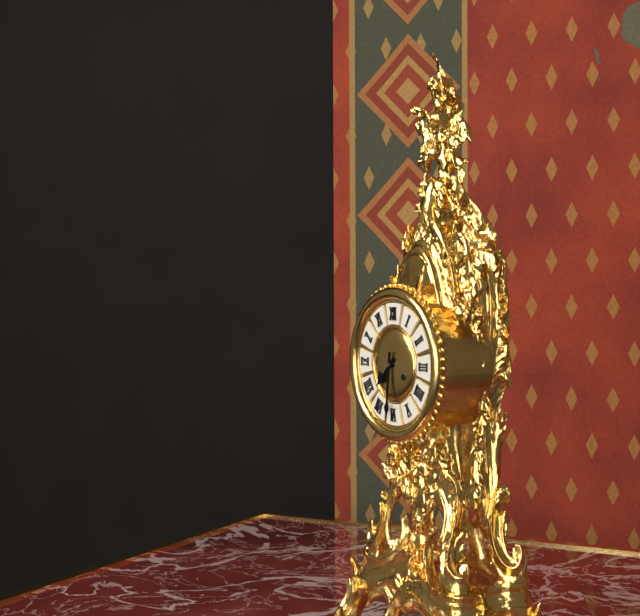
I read 7.31
